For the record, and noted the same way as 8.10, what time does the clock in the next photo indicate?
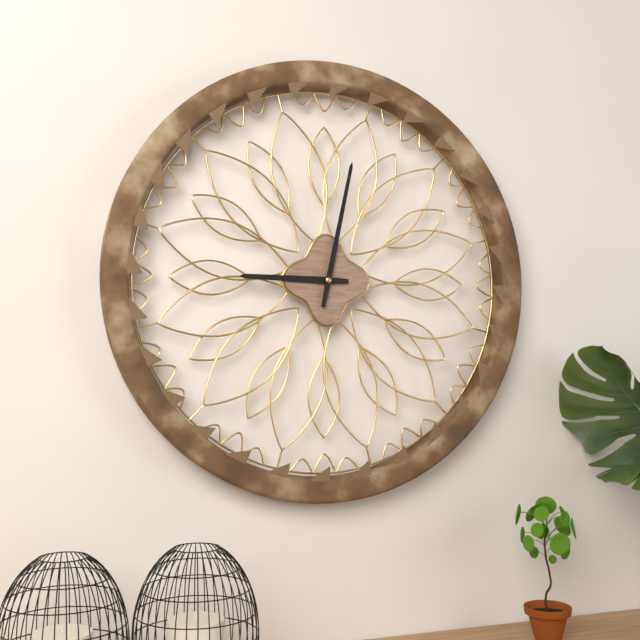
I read 9.02
